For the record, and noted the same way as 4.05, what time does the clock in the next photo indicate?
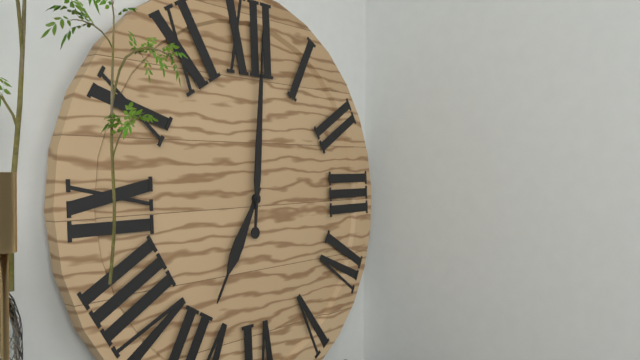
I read 7.01
